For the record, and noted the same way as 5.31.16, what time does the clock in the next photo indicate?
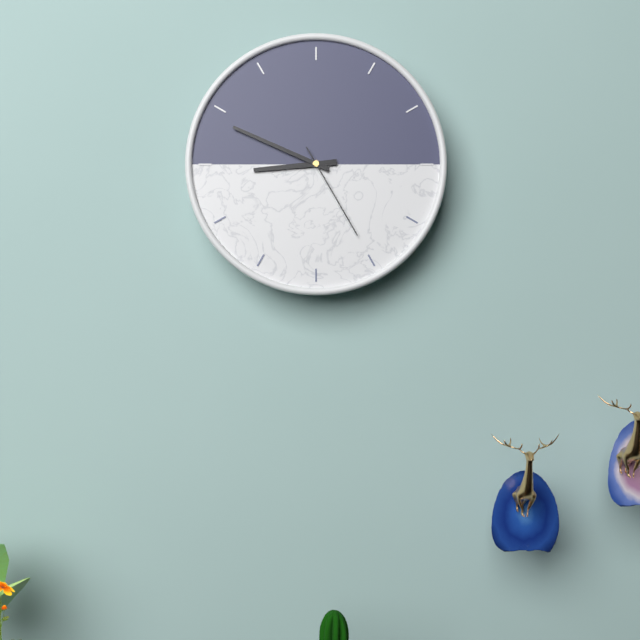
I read 8.49.25
